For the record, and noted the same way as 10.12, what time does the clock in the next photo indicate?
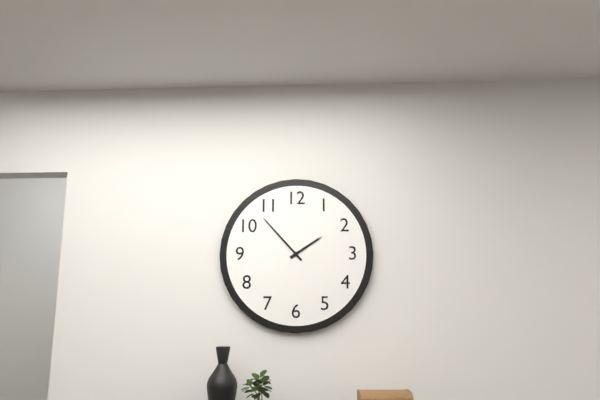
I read 1.53
